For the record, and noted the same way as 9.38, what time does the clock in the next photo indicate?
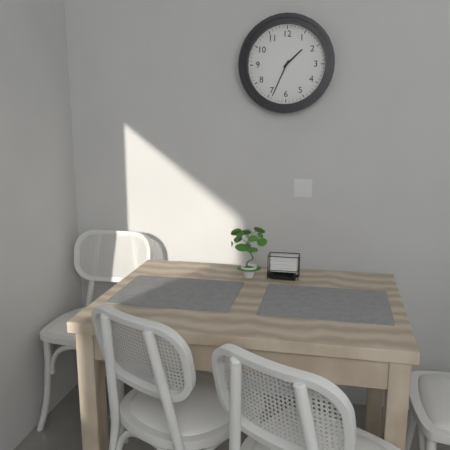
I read 1.34
